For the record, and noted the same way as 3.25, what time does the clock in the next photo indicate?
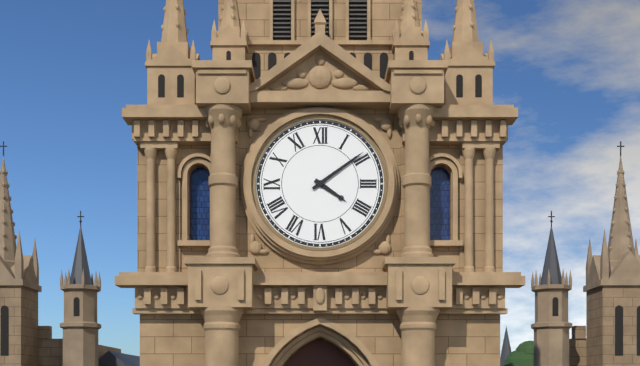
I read 4.09
